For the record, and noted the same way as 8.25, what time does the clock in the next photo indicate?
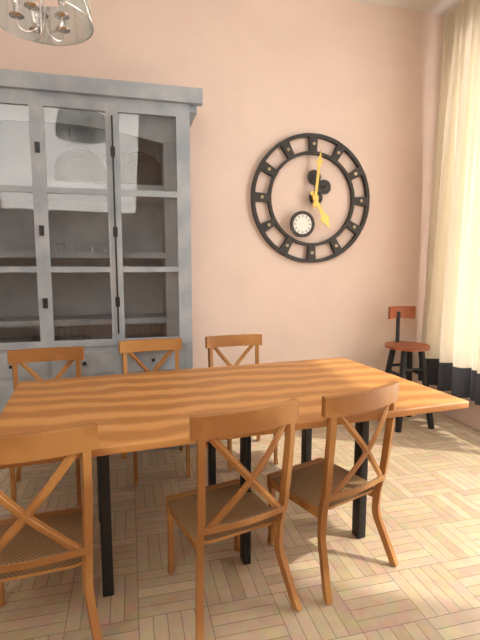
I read 5.01
